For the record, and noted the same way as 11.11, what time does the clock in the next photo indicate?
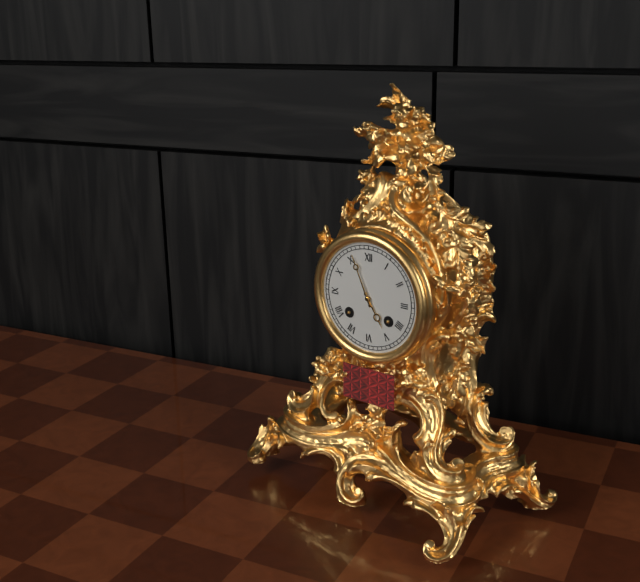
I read 4.56
